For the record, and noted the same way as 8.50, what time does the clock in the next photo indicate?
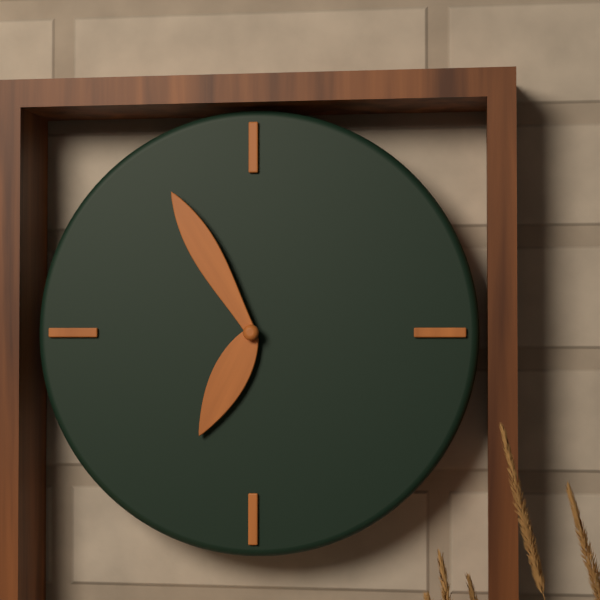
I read 6.55
